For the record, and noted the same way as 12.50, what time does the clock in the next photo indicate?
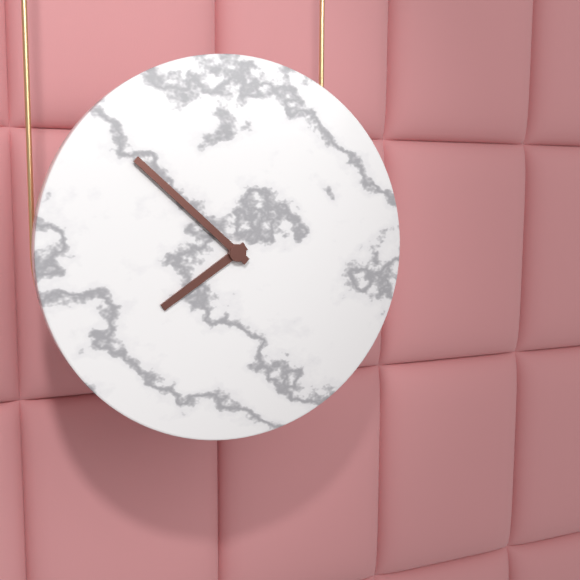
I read 7.52
